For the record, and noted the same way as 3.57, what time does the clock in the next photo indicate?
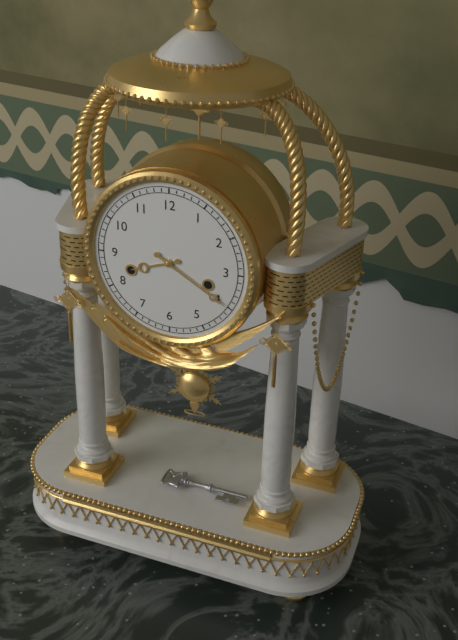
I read 8.20
